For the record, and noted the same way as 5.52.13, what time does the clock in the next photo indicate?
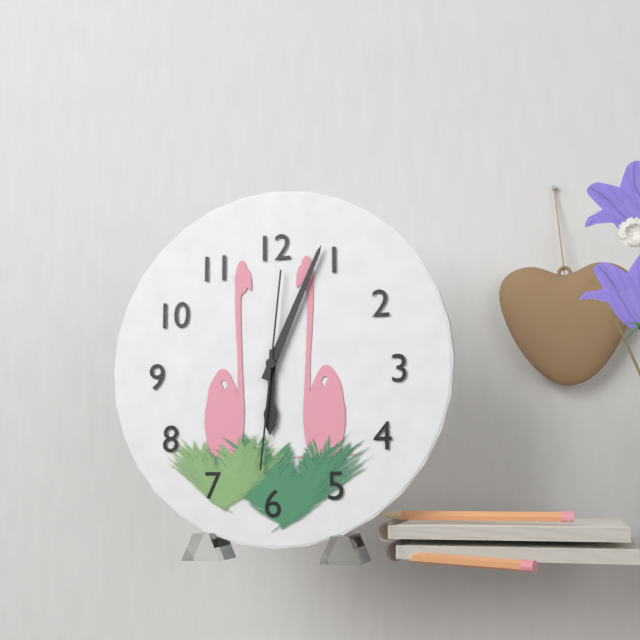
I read 6.04.31
